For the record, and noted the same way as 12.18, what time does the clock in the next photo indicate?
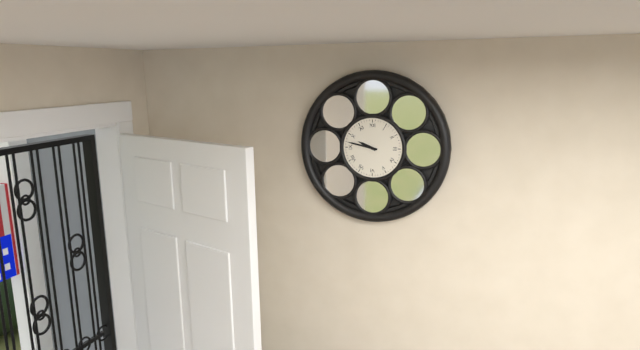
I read 9.47
